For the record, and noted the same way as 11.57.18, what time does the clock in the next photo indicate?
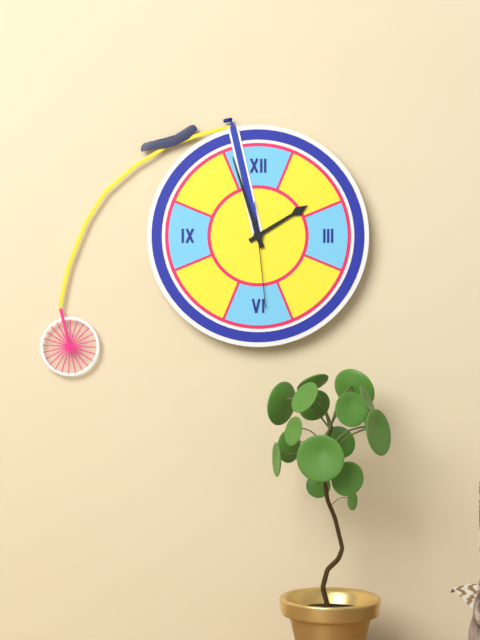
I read 1.57.29
